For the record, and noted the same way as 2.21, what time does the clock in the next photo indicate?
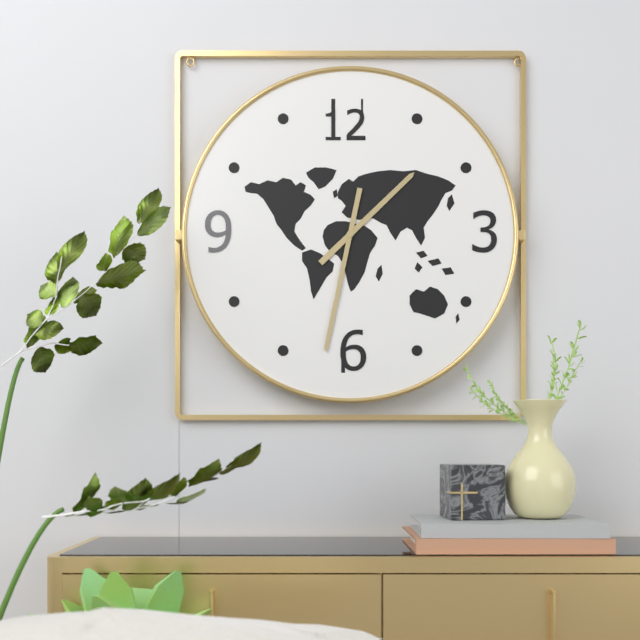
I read 1.32
